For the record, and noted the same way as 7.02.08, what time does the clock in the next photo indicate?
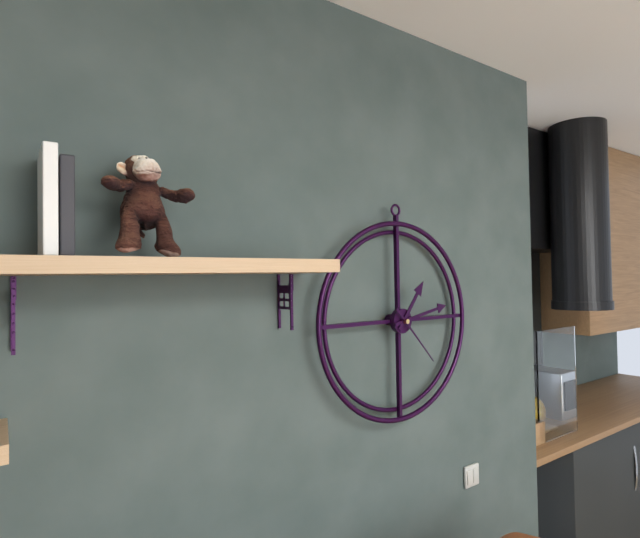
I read 1.13.23
